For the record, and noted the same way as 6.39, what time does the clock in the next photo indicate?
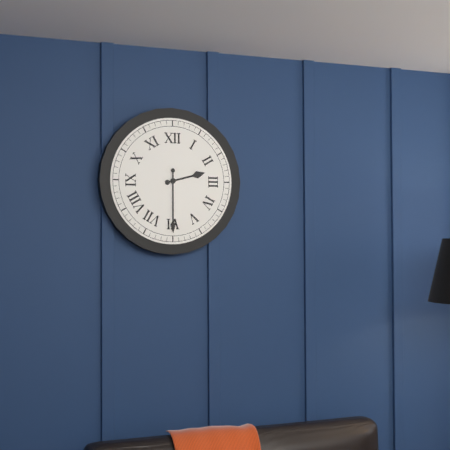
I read 2.30
